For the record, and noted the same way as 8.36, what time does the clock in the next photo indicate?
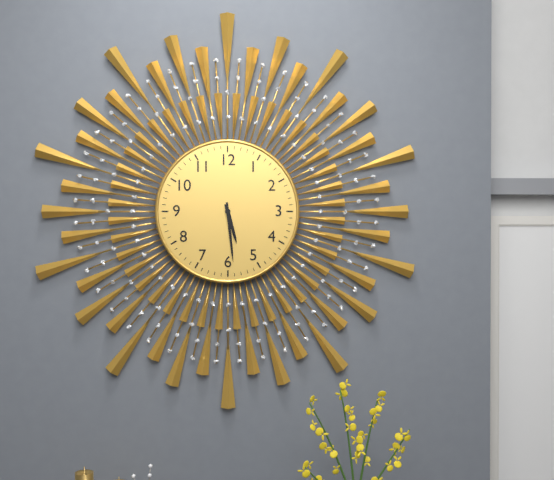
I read 5.29
